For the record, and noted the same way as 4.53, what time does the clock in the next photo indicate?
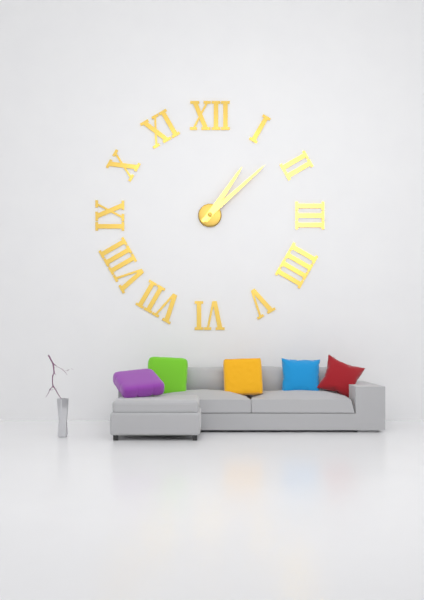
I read 1.08
